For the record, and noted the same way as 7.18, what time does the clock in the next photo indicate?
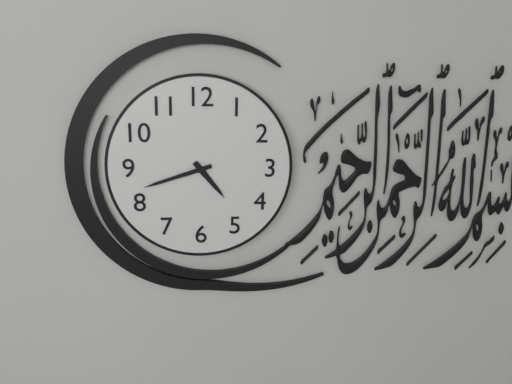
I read 4.42
